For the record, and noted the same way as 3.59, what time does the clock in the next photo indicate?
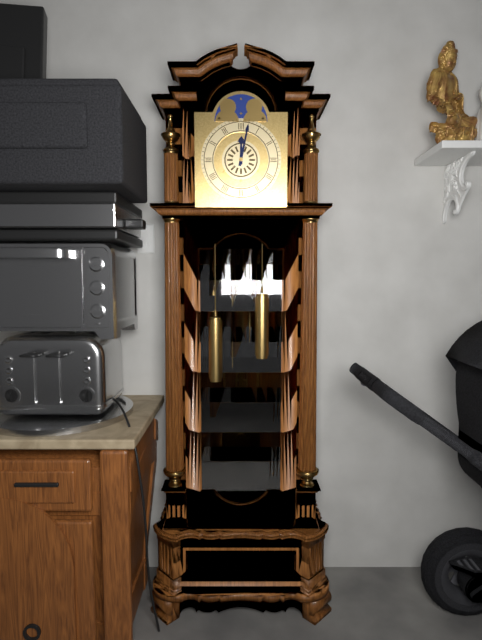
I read 12.02
